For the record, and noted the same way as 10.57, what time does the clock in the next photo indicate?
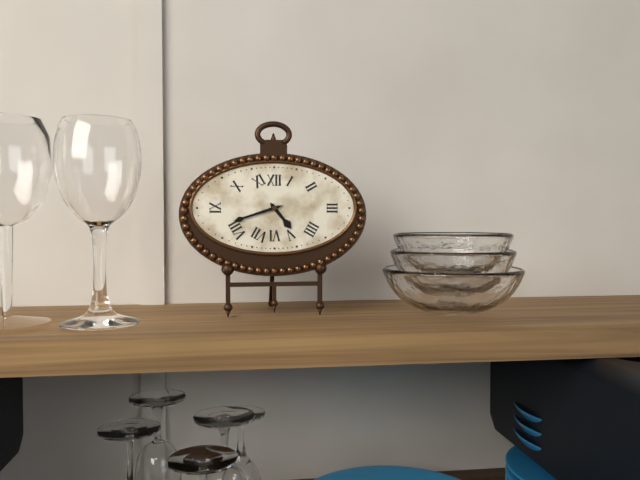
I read 4.42
